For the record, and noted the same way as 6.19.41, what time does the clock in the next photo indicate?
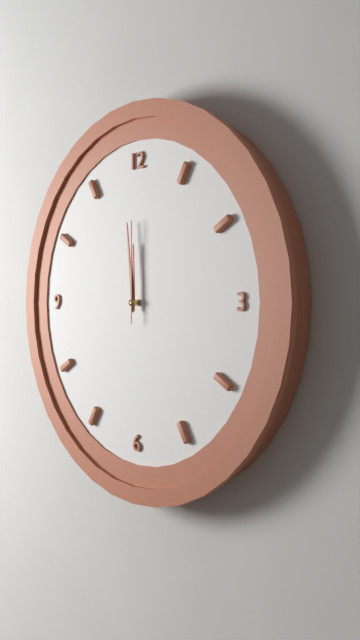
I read 11.59.00
